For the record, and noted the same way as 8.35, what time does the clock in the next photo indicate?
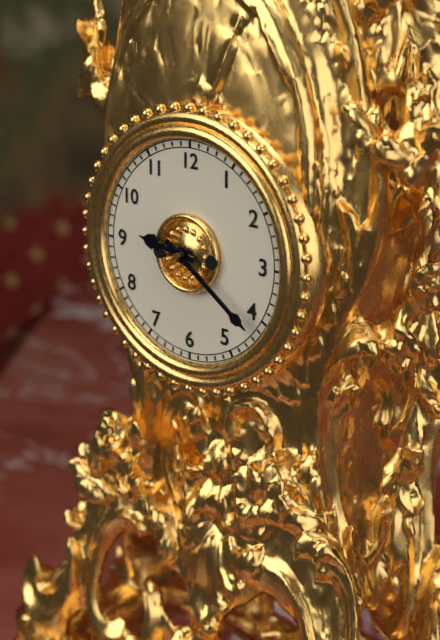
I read 9.21
